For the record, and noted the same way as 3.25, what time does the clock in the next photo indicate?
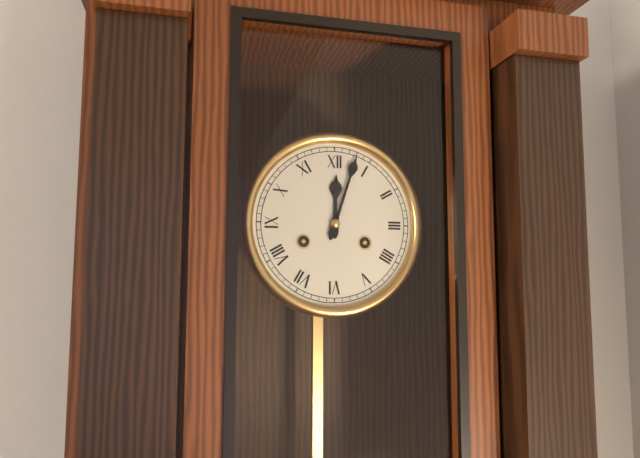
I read 12.03
